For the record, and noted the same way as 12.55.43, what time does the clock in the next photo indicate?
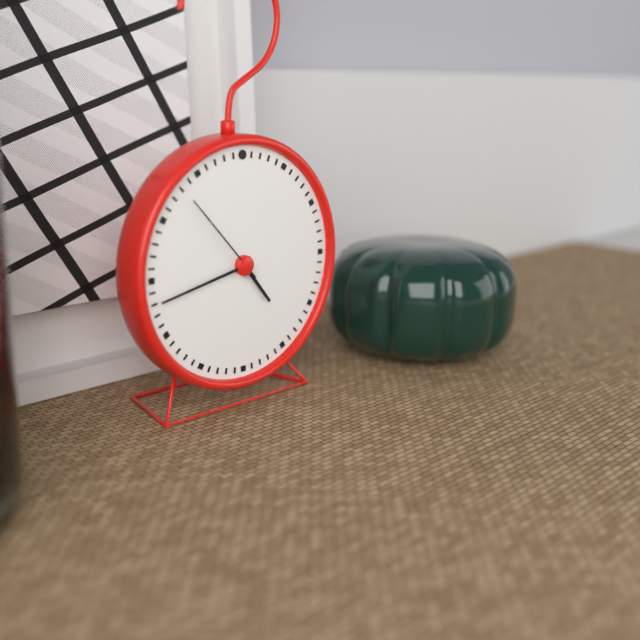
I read 4.43.53
